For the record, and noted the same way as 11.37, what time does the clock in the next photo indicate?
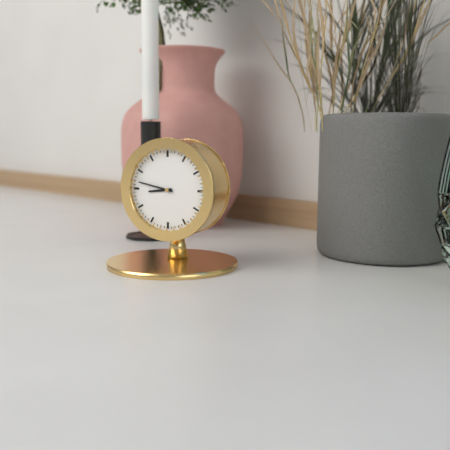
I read 8.47
